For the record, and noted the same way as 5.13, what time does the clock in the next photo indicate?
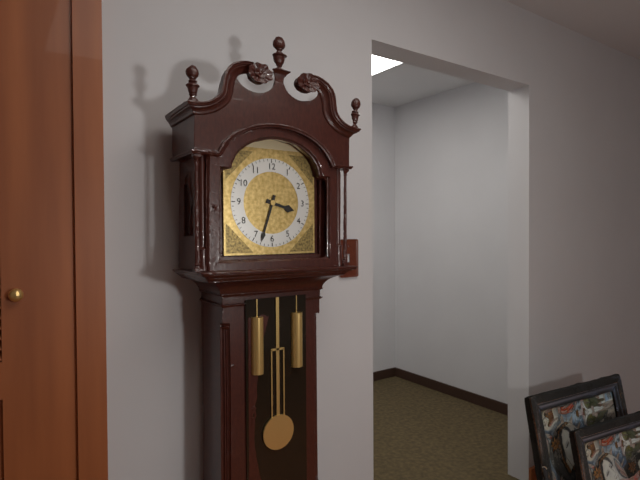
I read 3.33
